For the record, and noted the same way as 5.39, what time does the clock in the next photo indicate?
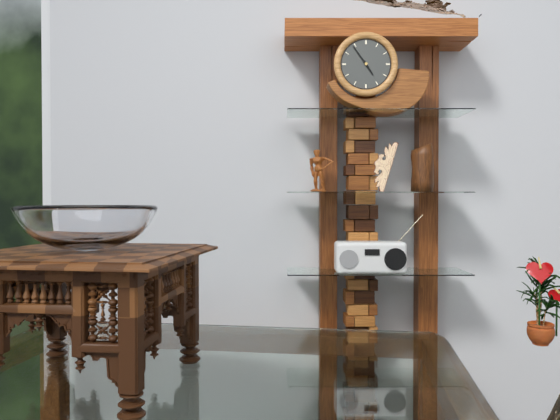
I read 4.54
